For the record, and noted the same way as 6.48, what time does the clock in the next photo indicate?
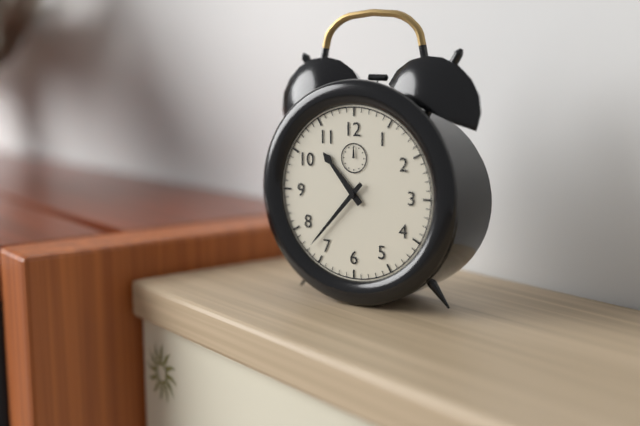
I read 10.37
